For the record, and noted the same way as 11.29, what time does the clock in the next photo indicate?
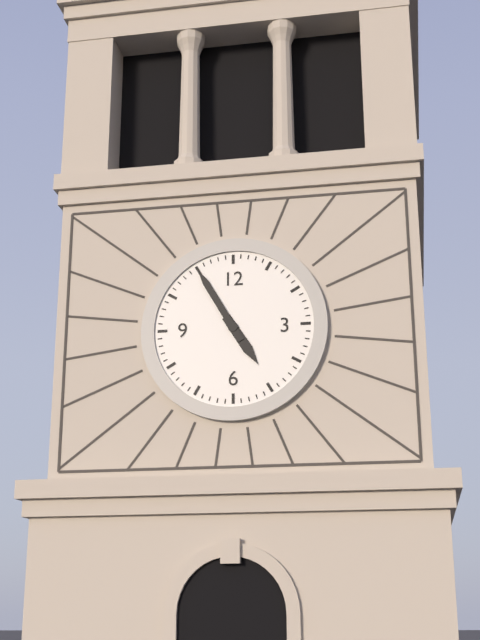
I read 4.55
